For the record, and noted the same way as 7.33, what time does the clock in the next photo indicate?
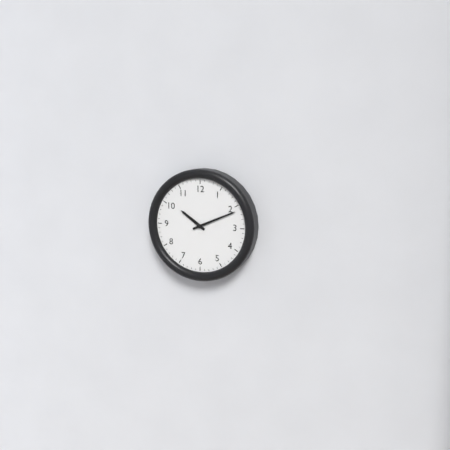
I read 10.11
